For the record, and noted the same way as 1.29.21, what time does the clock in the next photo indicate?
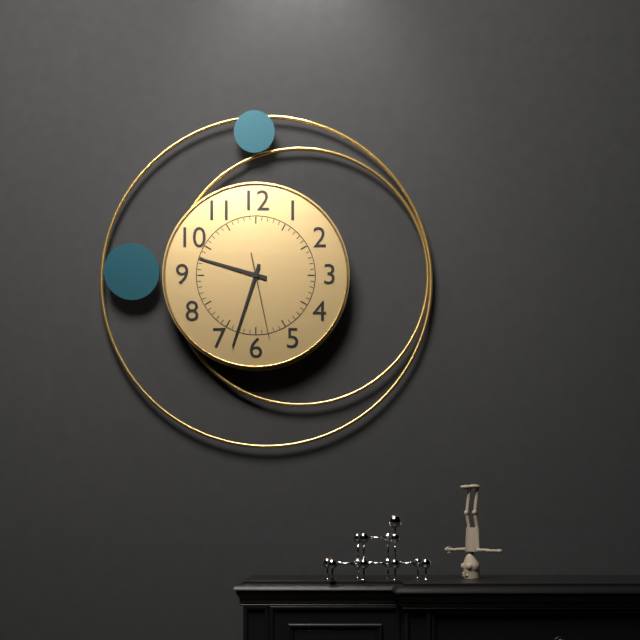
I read 9.33.28
